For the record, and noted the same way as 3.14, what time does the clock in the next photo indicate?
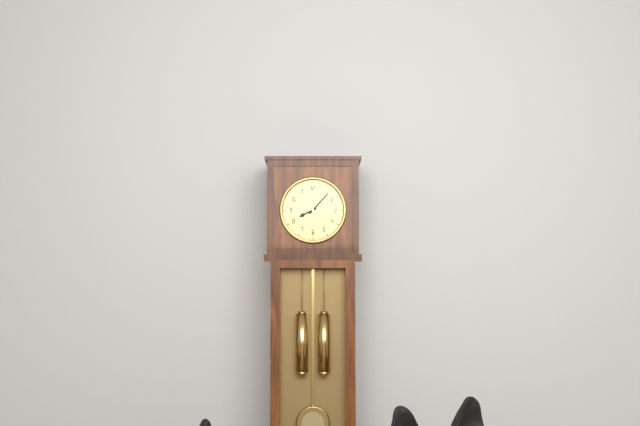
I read 8.07
